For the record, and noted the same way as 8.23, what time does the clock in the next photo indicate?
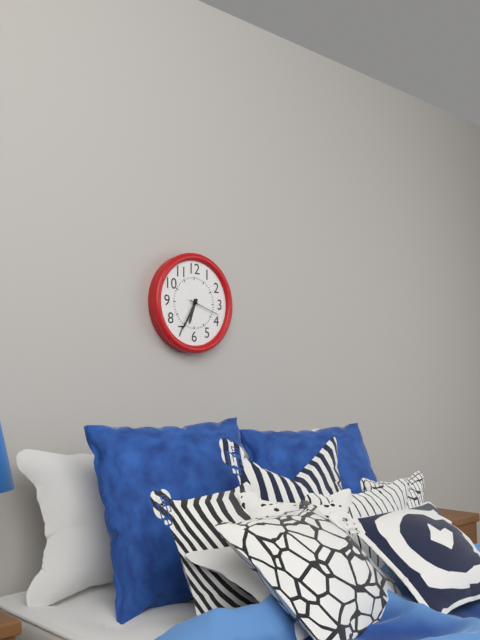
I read 6.35
